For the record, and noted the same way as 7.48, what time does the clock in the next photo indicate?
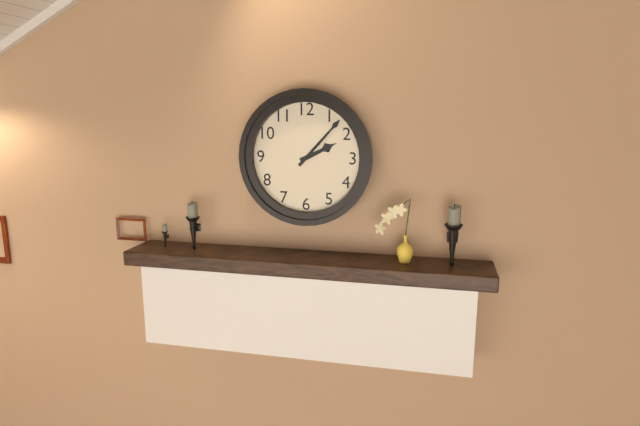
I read 2.07
